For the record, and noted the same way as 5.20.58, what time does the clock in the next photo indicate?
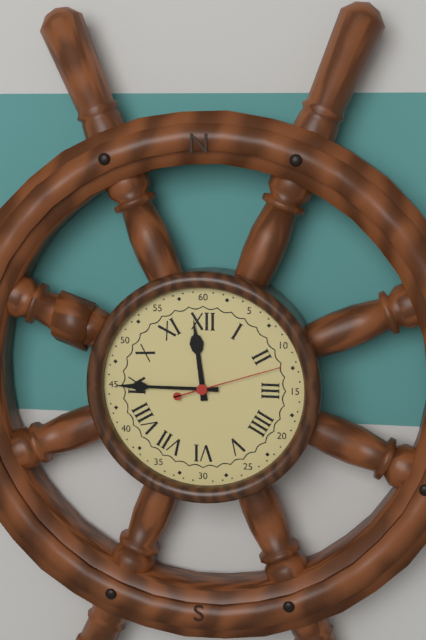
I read 11.45.12
